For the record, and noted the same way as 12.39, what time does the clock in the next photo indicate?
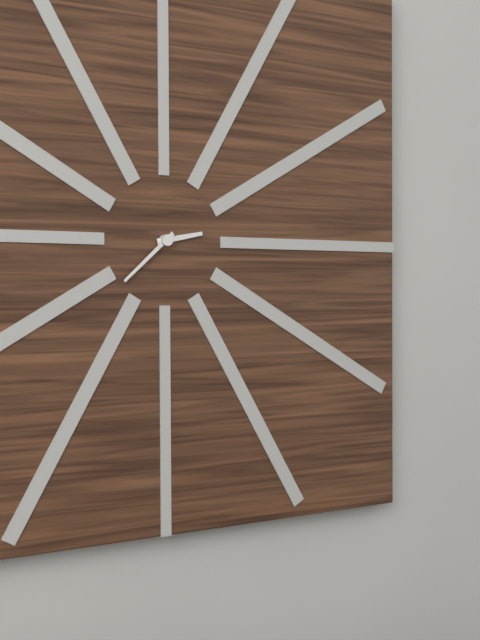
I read 2.38
